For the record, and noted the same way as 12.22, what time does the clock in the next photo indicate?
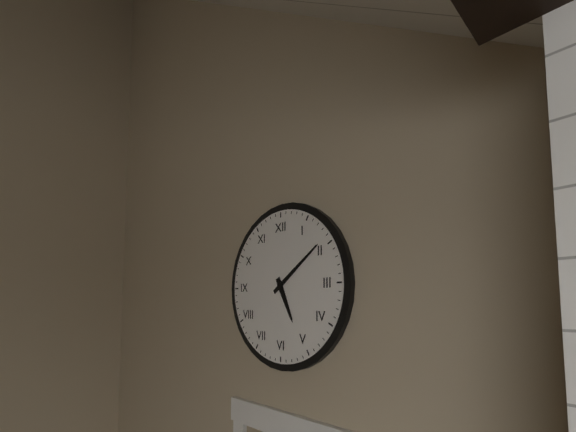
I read 5.09
